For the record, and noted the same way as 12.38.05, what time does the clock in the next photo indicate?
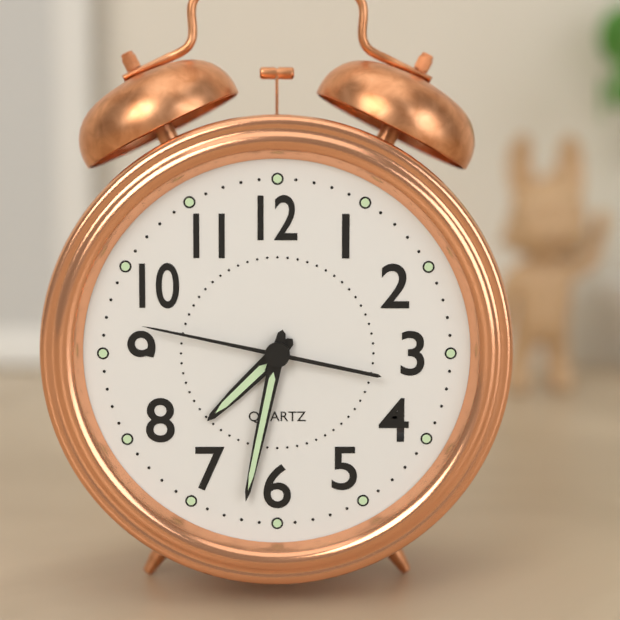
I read 7.32.47
